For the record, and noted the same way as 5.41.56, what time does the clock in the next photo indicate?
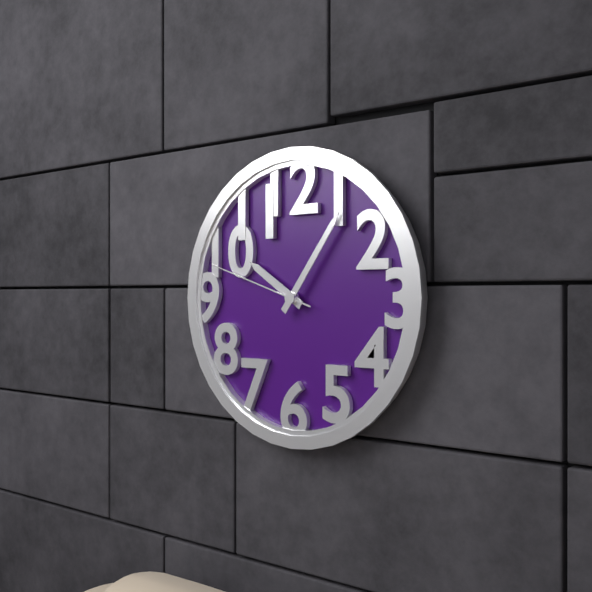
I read 10.06.48
